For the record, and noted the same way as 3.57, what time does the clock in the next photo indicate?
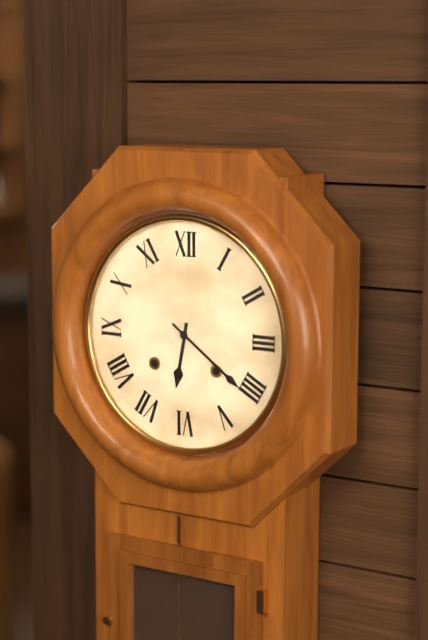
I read 6.21
